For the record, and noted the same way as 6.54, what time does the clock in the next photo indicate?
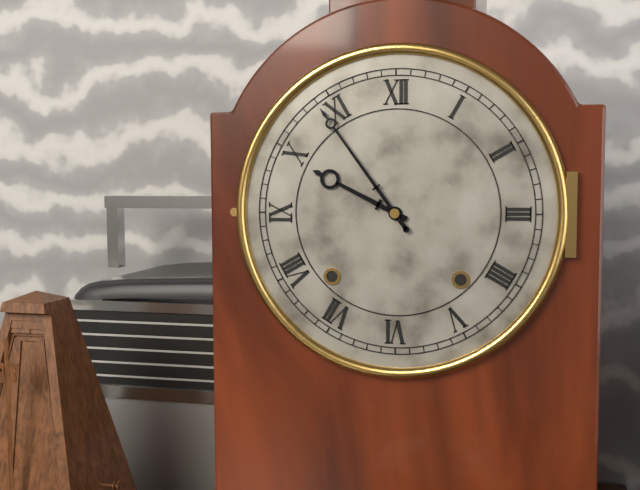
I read 9.54
